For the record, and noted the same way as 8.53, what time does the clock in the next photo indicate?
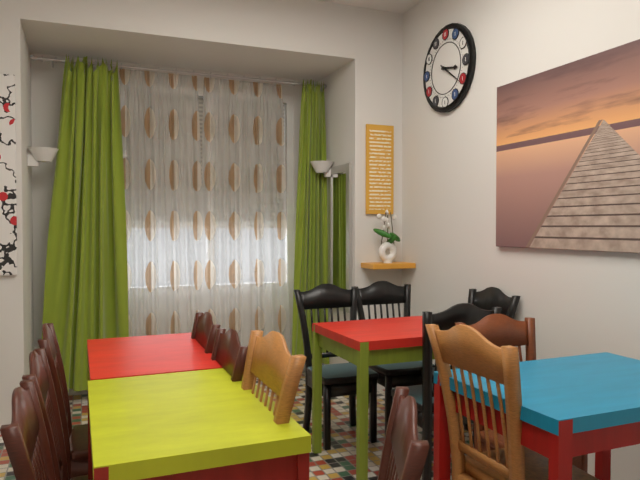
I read 3.21
